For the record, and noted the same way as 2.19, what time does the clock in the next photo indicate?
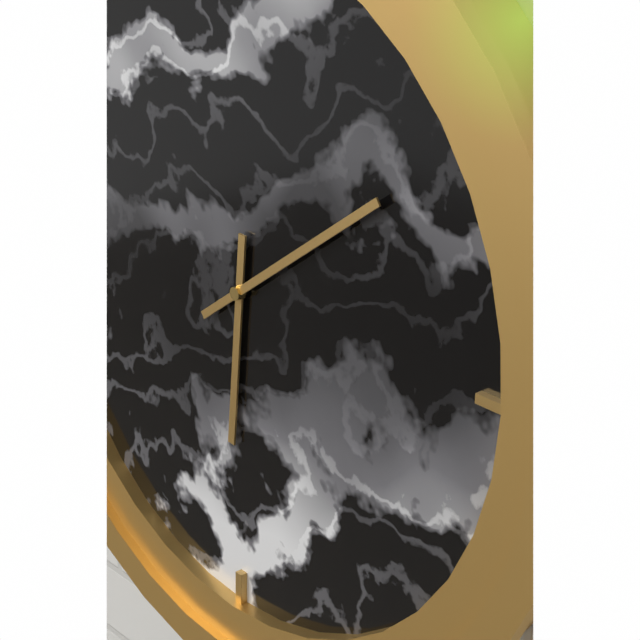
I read 6.09
